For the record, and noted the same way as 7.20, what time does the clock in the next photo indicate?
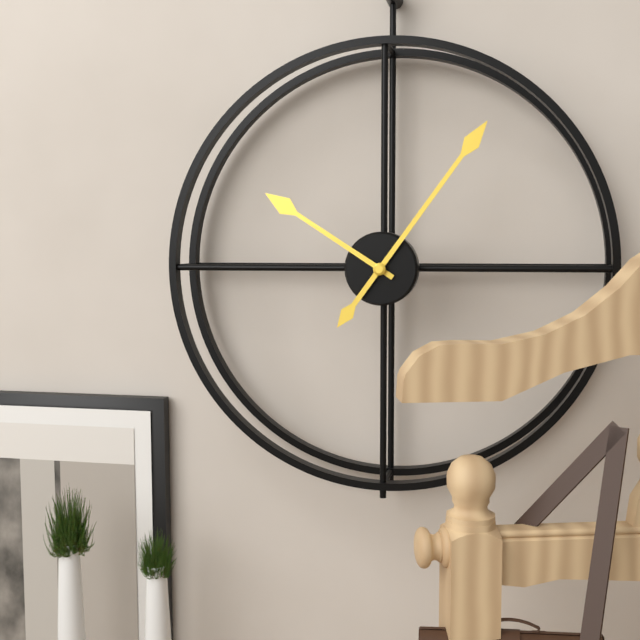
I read 10.06
